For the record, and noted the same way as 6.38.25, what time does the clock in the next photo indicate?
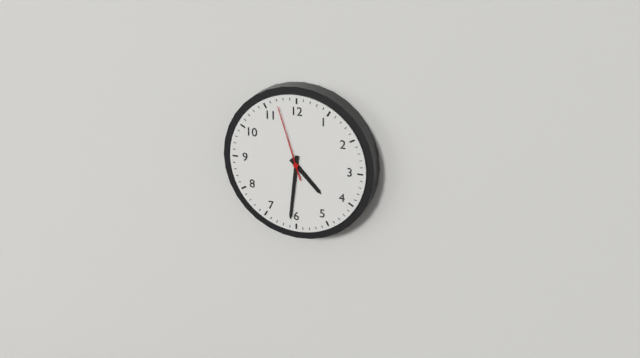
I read 4.31.57
